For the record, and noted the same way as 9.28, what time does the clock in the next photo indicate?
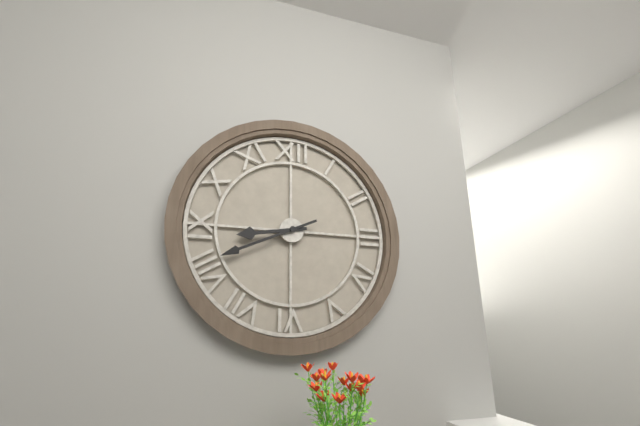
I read 8.41
